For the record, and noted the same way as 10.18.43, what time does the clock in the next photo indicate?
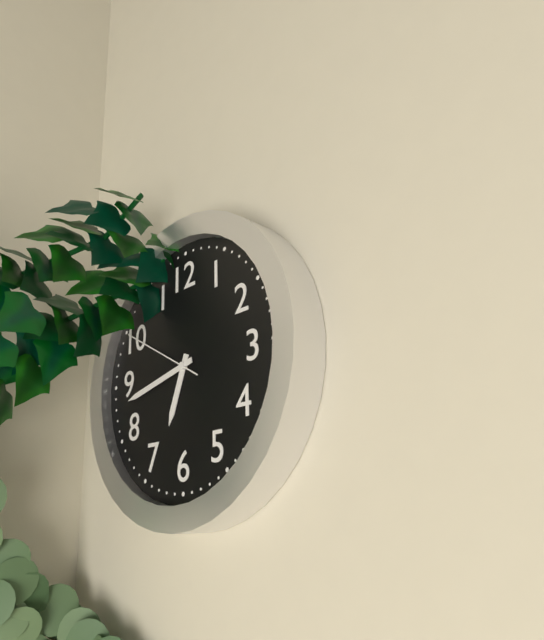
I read 6.43.50
